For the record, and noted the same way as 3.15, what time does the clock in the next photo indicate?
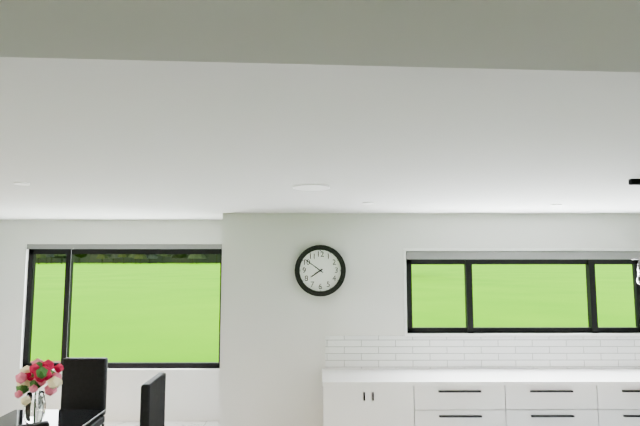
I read 7.51
